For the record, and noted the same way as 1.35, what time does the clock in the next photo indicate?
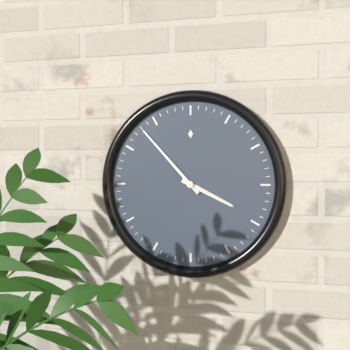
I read 3.53
